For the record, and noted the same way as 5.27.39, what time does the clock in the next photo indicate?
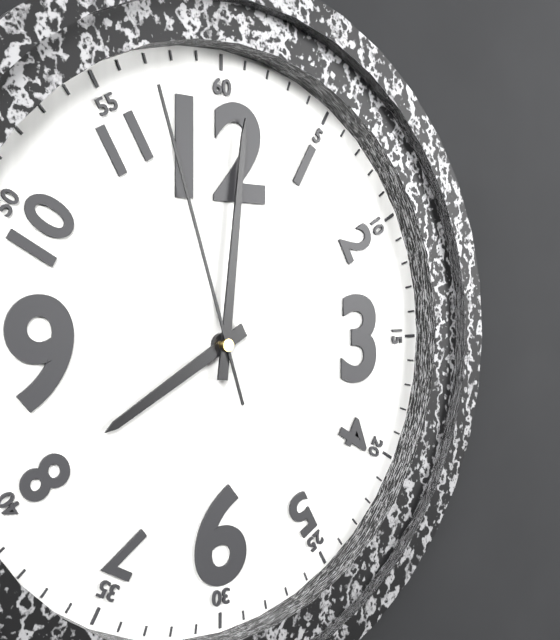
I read 8.01.57
